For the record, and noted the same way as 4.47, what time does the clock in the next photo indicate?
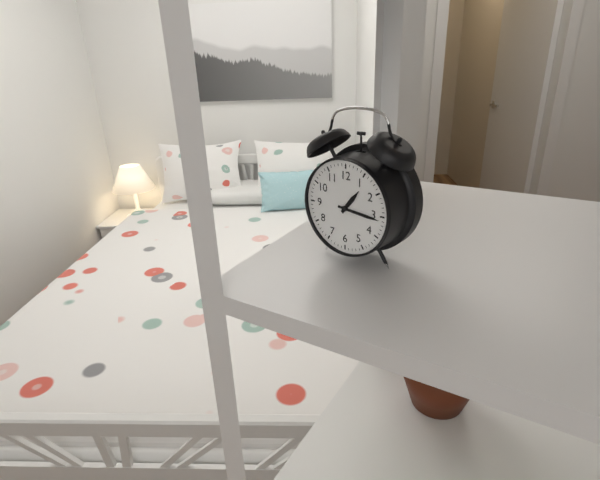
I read 1.16
